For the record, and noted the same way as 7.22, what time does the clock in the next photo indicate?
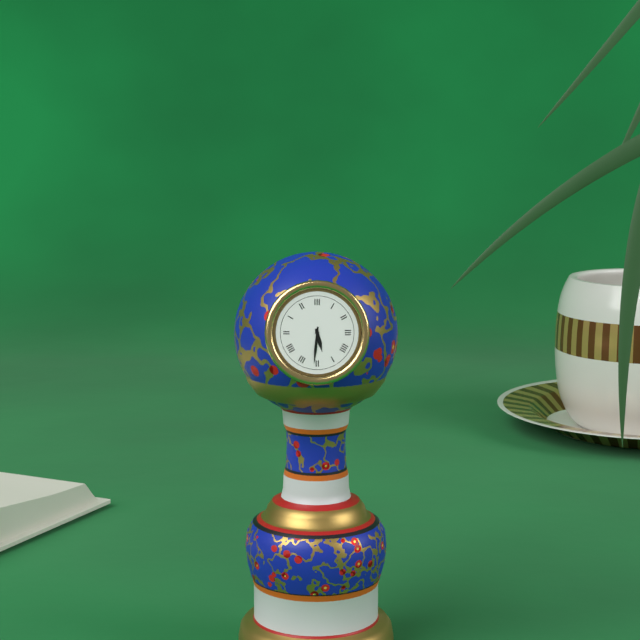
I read 5.31
